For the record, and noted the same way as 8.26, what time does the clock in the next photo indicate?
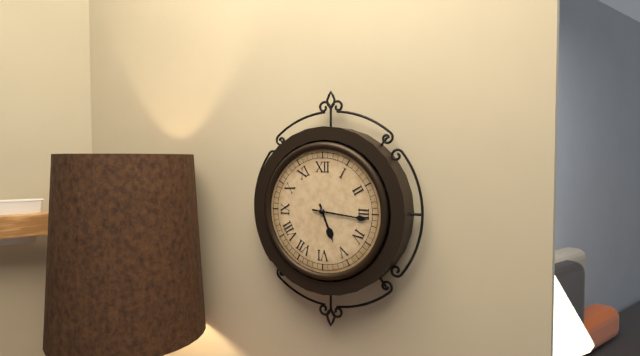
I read 5.16
